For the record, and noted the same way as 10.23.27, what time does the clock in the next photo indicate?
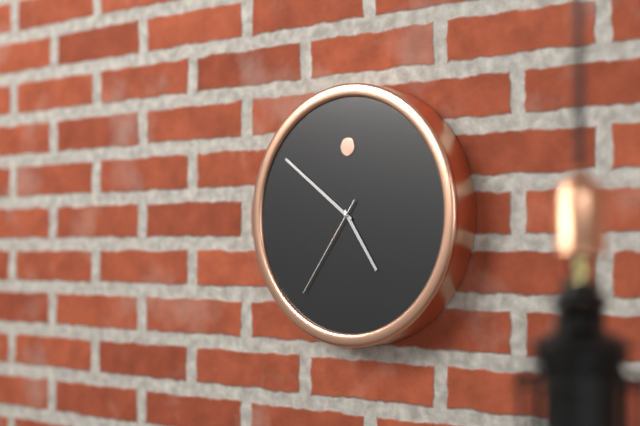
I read 4.51.36
